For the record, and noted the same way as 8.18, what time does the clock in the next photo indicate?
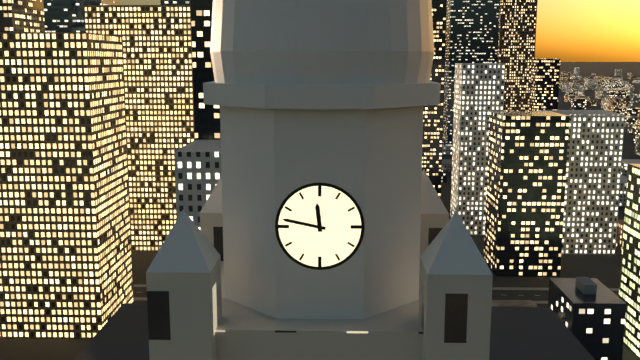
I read 11.47
